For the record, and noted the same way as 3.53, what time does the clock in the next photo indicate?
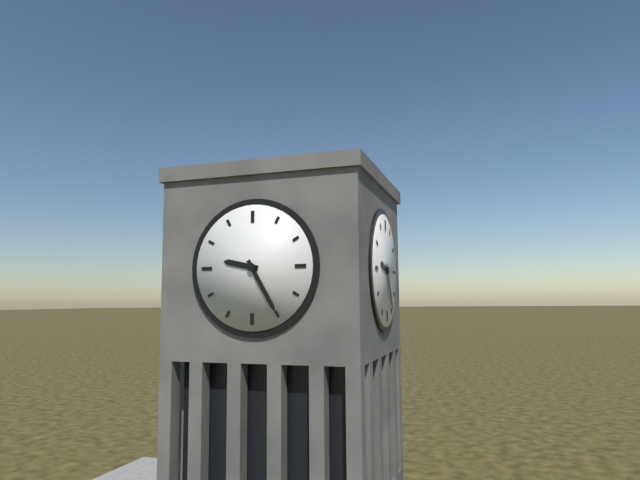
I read 9.25
